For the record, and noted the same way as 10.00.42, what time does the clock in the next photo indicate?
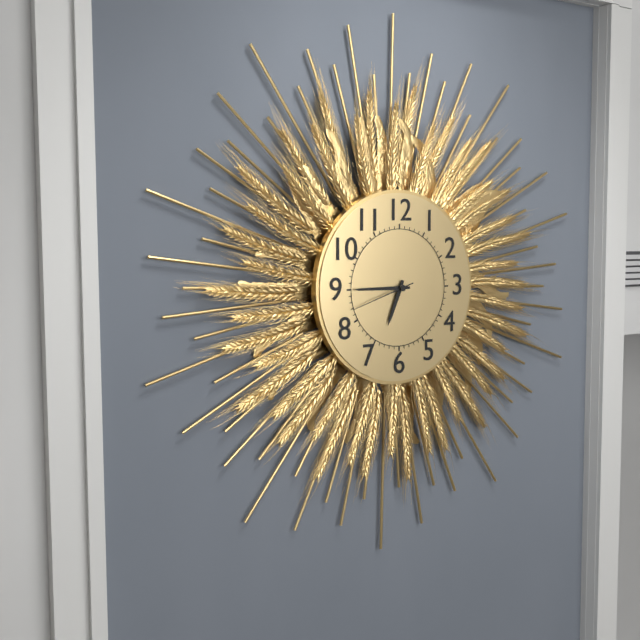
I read 6.45.42
